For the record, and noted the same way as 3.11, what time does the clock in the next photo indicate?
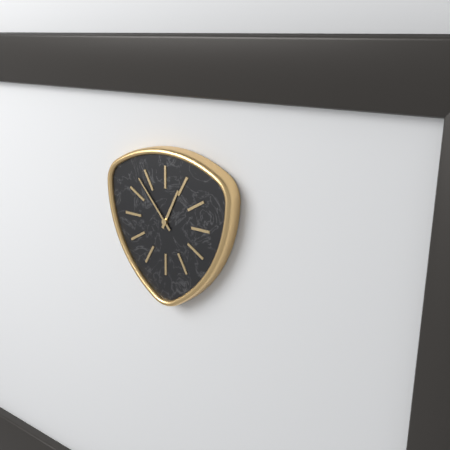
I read 12.53
